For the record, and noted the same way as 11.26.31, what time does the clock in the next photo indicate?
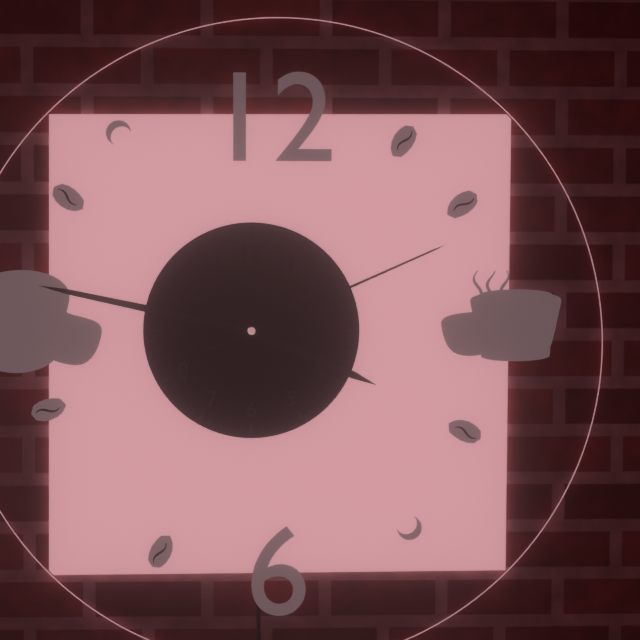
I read 3.47.11
